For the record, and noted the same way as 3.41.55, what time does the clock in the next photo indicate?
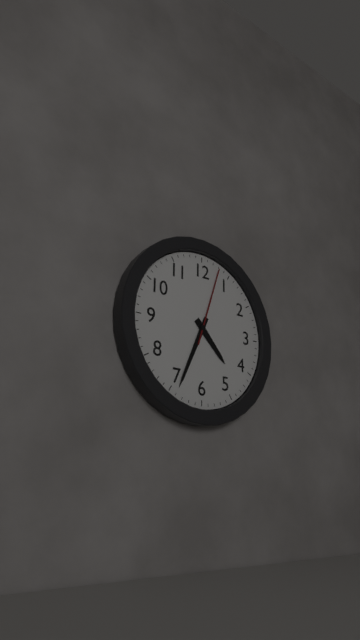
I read 4.34.03
